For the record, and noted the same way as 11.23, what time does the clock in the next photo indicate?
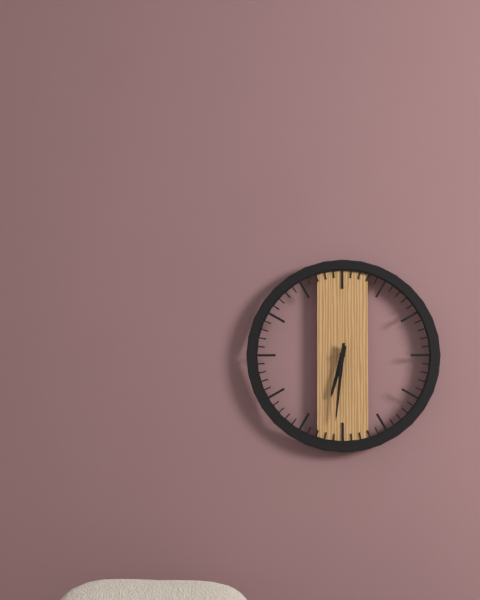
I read 6.31
